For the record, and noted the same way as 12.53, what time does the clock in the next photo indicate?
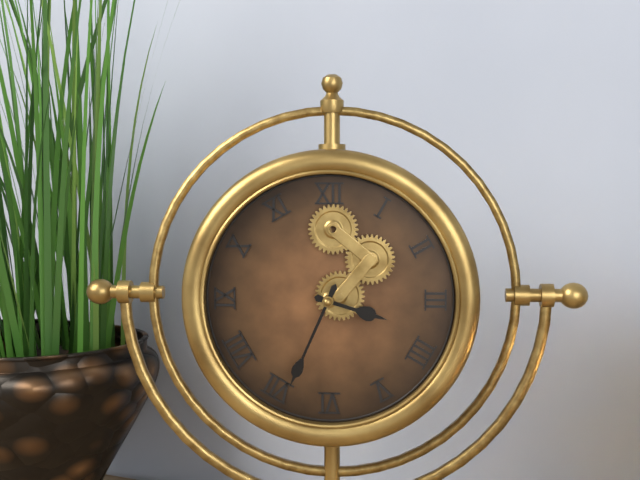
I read 3.34
